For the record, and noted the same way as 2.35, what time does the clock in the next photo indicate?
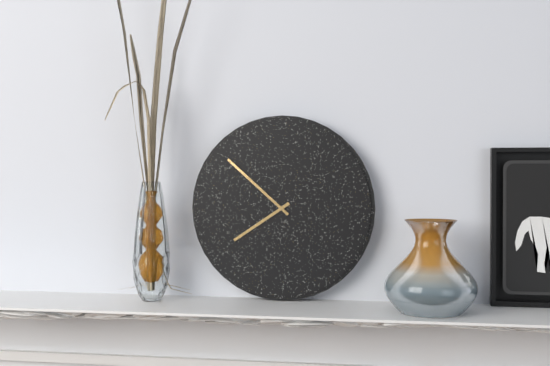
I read 7.52
